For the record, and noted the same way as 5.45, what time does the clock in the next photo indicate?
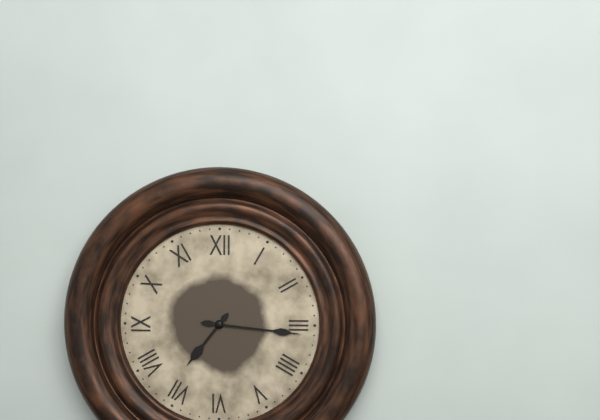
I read 7.16
